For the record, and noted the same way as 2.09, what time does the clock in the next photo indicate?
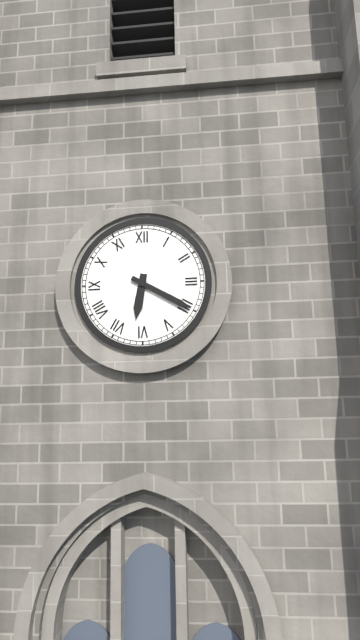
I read 6.20
